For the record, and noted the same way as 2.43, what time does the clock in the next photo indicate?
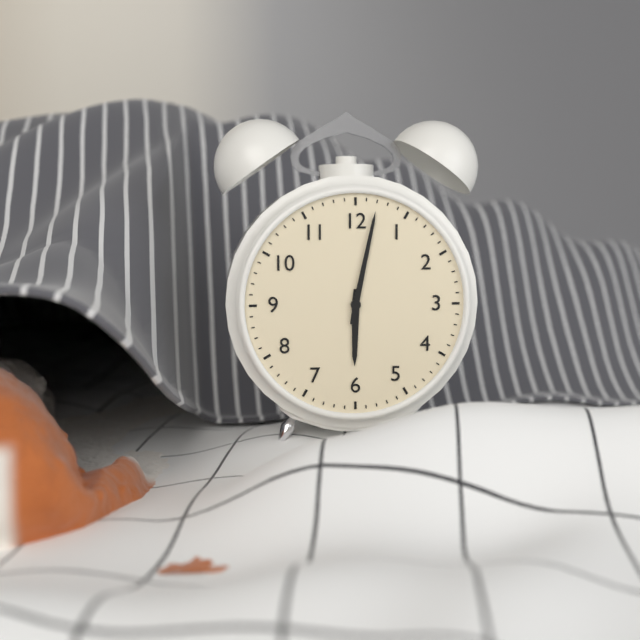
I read 6.02
